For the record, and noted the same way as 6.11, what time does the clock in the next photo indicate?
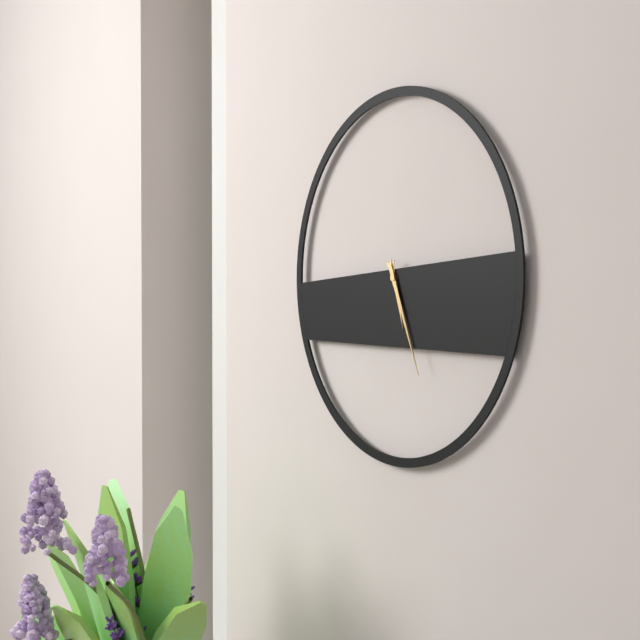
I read 5.26
